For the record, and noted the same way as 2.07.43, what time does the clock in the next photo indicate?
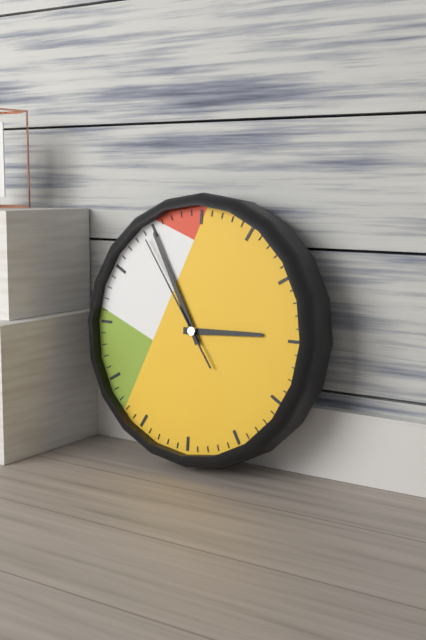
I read 2.55.54
